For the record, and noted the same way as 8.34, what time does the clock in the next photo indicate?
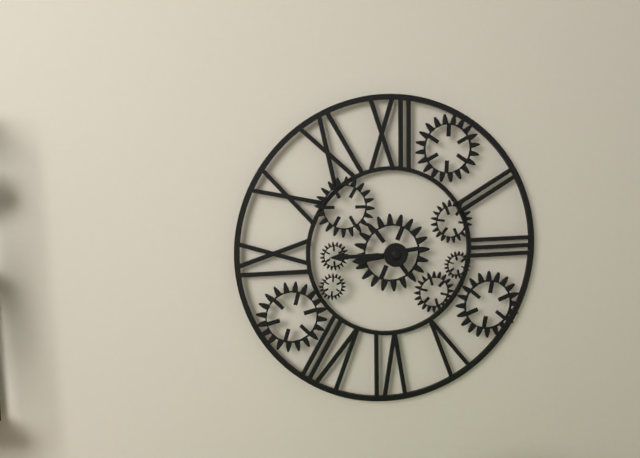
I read 8.45
